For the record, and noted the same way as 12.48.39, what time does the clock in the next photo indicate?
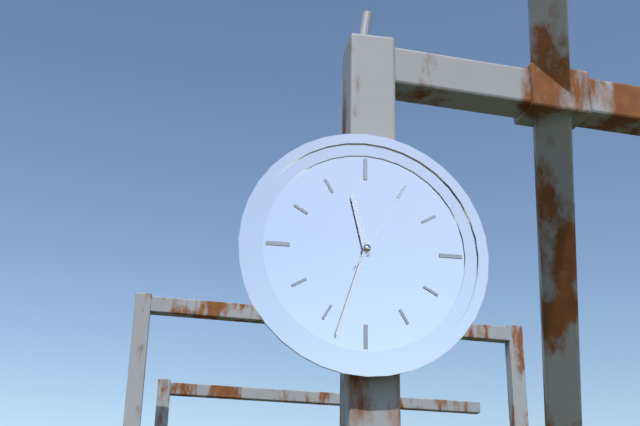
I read 11.33.05
